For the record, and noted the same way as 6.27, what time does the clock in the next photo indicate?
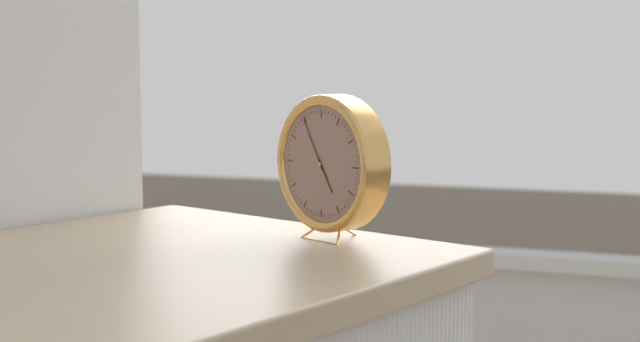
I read 4.55
